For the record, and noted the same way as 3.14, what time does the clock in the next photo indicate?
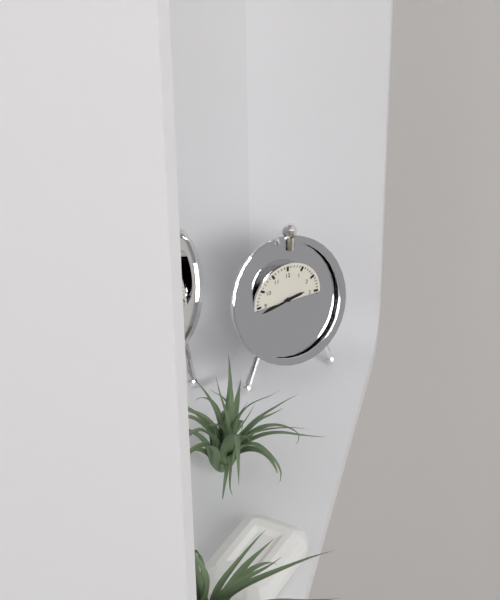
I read 2.43
